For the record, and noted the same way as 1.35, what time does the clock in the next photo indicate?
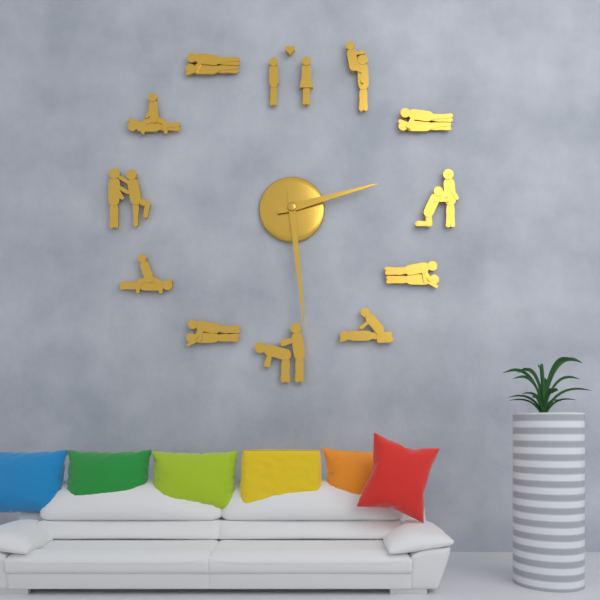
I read 2.29
